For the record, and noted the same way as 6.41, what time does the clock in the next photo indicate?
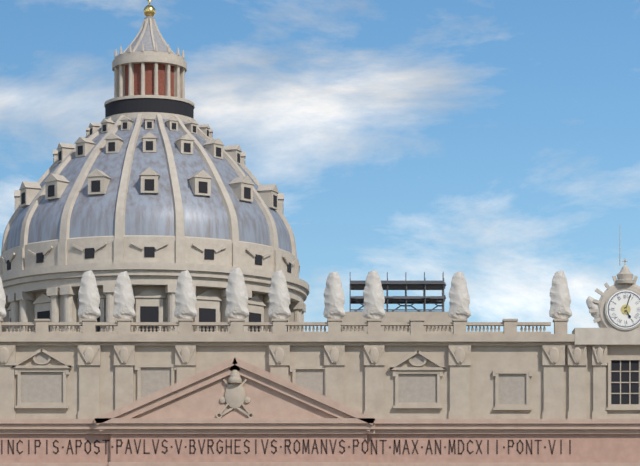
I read 5.03
